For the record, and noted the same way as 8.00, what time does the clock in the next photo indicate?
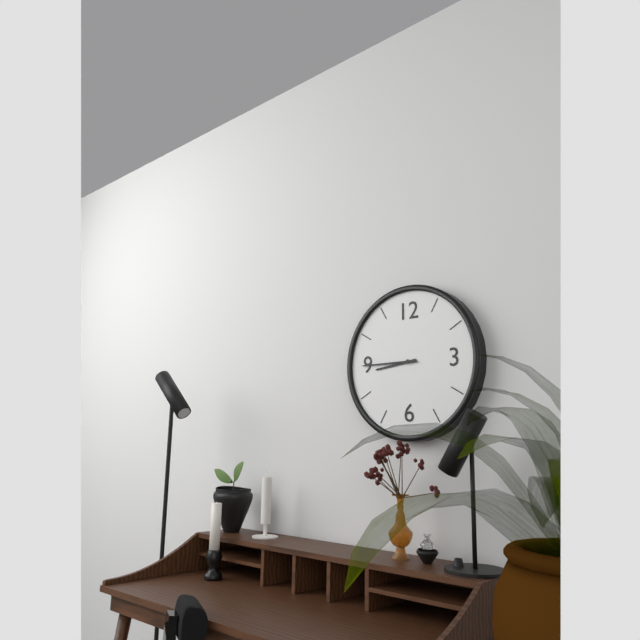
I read 8.45
